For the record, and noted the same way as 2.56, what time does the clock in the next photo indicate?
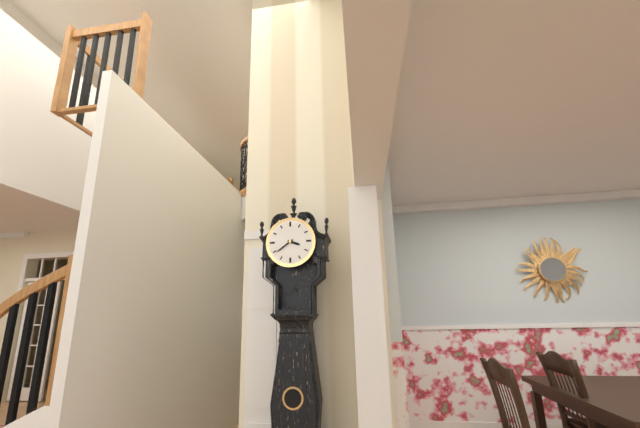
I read 3.39
